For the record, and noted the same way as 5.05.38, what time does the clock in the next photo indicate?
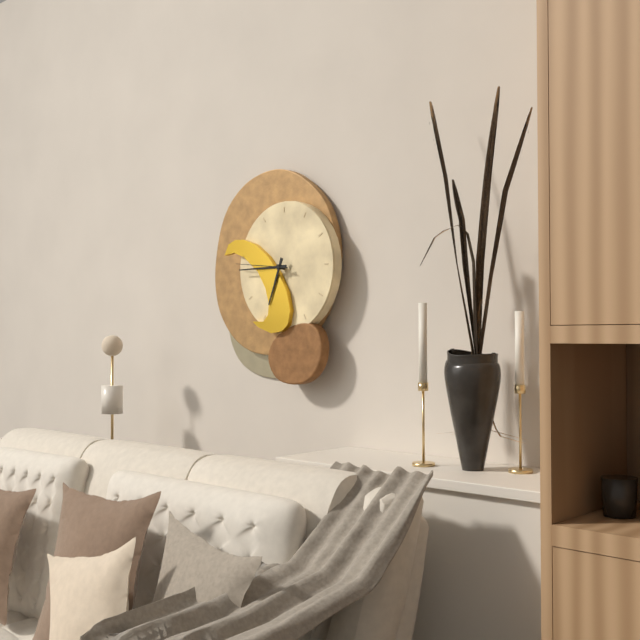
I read 6.45.46
